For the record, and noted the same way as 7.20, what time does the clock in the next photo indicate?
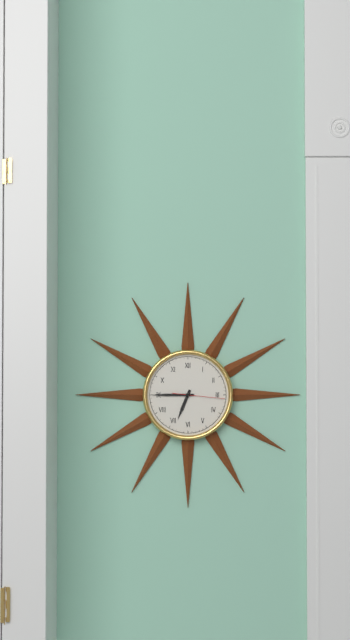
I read 6.45
